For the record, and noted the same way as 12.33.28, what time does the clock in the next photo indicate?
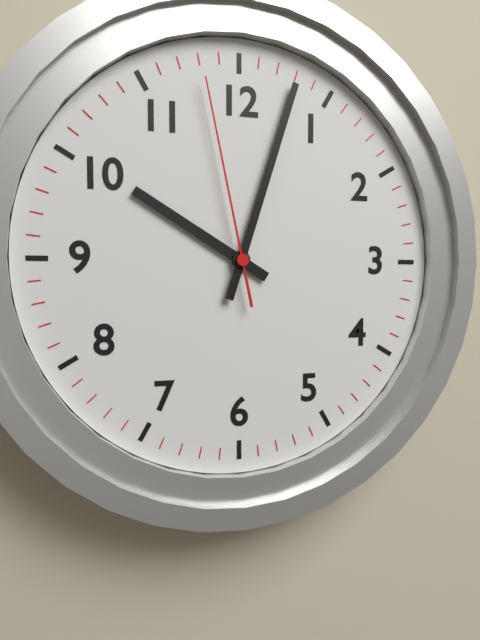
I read 10.03.58
